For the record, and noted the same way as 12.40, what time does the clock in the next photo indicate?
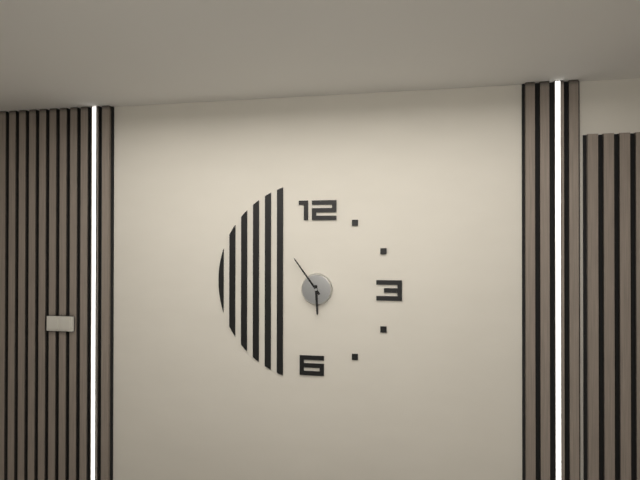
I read 5.54
